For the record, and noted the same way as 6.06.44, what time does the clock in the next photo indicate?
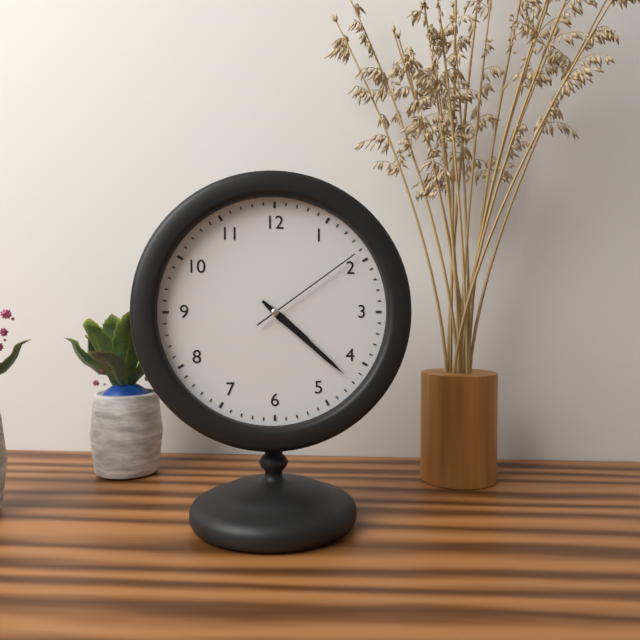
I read 4.22.09
